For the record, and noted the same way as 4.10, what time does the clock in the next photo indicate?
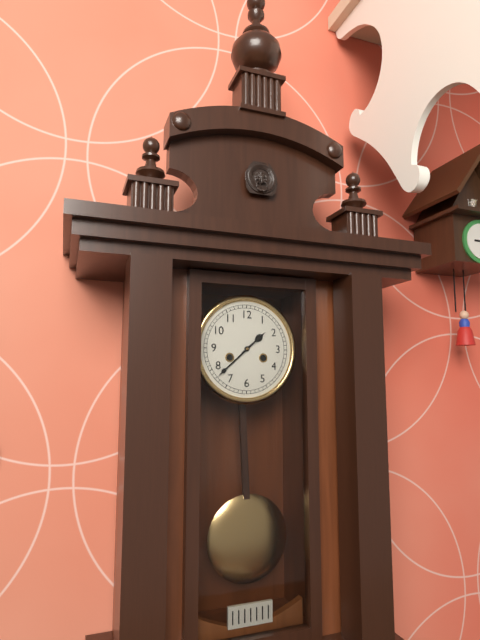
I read 1.38
